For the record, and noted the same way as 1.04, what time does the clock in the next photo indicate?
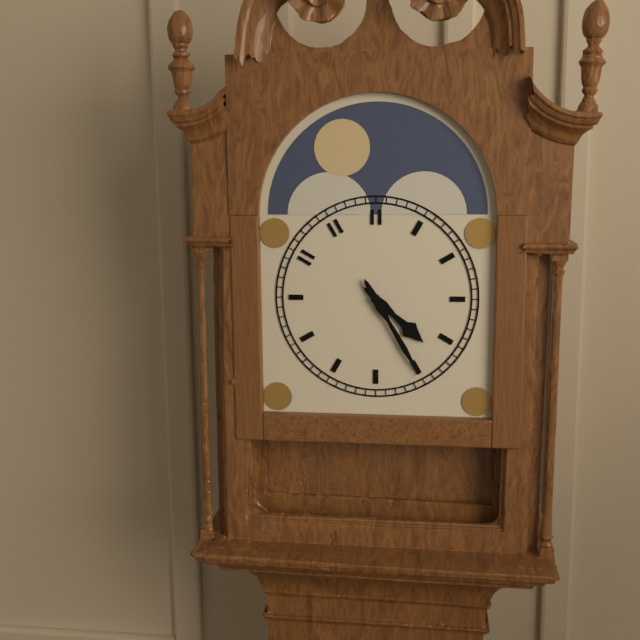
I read 4.25
